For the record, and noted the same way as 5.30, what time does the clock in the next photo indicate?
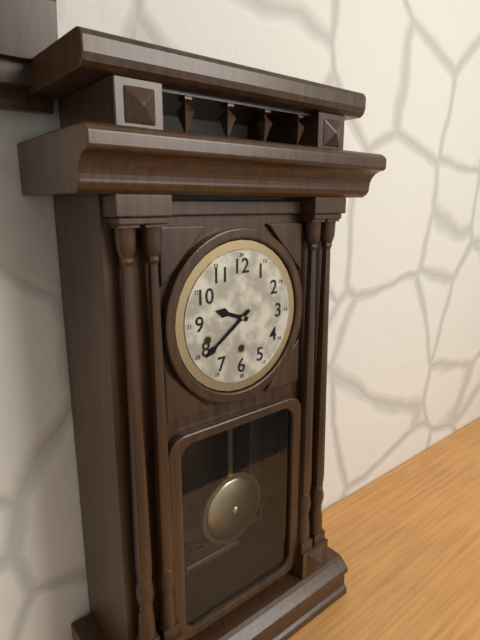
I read 9.39
